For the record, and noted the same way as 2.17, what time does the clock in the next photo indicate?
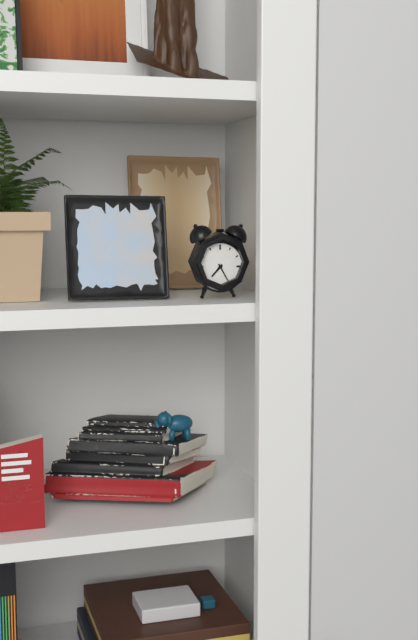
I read 7.25
